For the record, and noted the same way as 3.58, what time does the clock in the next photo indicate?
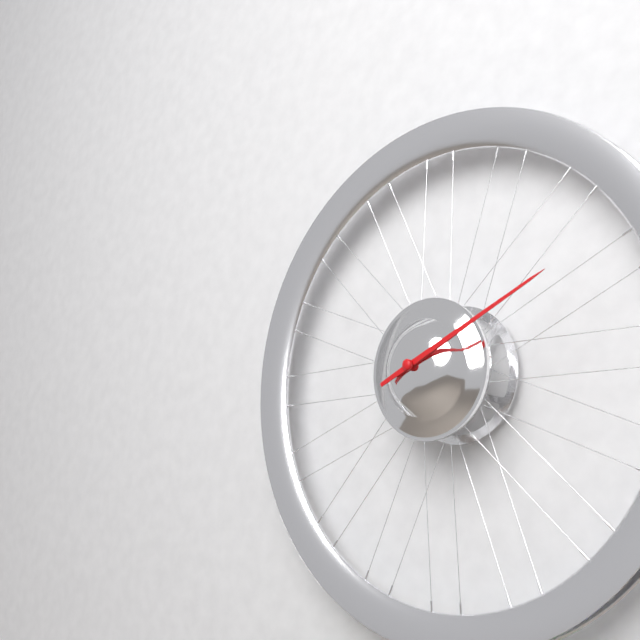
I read 2.11
